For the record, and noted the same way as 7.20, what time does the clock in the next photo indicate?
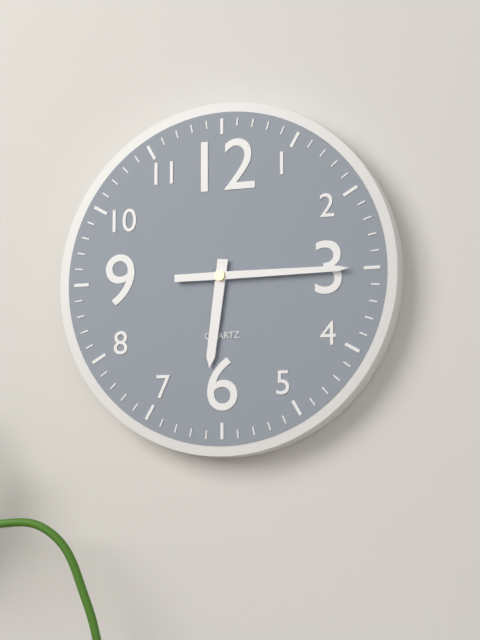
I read 6.15
